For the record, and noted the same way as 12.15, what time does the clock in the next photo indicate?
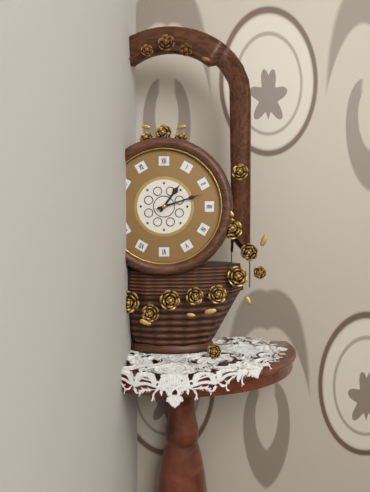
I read 1.12
